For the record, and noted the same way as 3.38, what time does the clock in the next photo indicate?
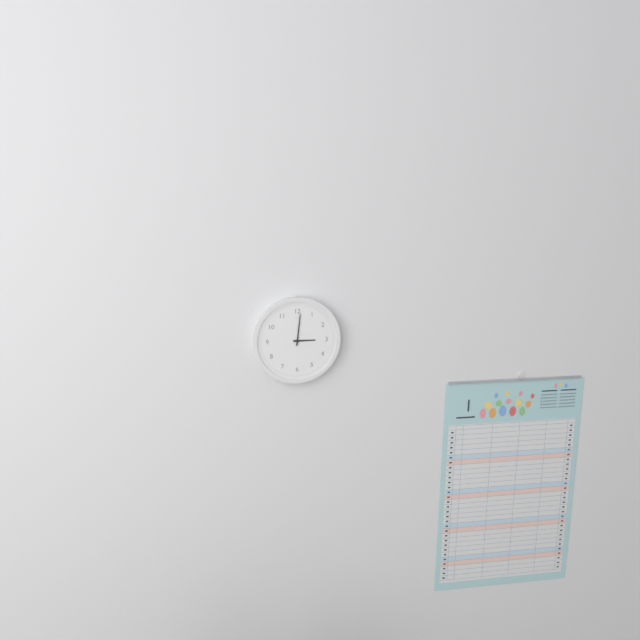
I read 3.01
